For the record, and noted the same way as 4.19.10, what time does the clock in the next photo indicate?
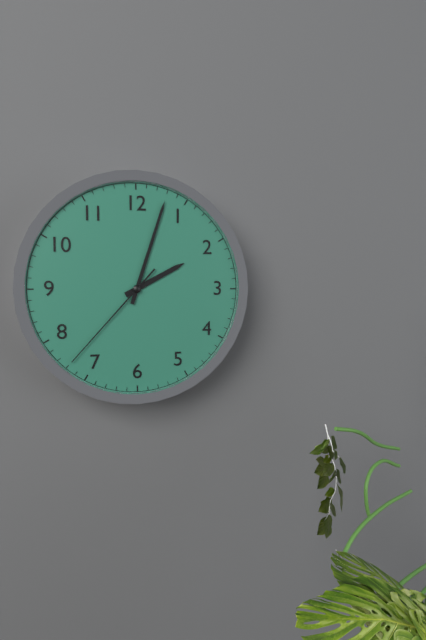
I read 2.03.37
